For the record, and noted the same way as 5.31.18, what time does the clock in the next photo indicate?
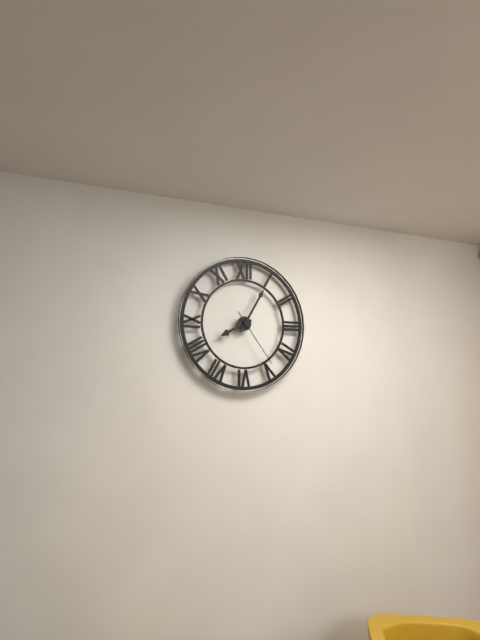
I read 8.05.24
